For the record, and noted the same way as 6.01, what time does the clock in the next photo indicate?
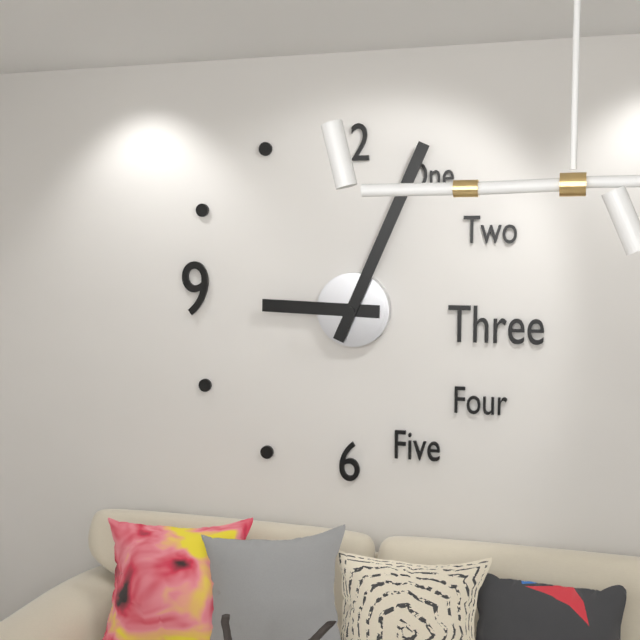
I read 9.04
